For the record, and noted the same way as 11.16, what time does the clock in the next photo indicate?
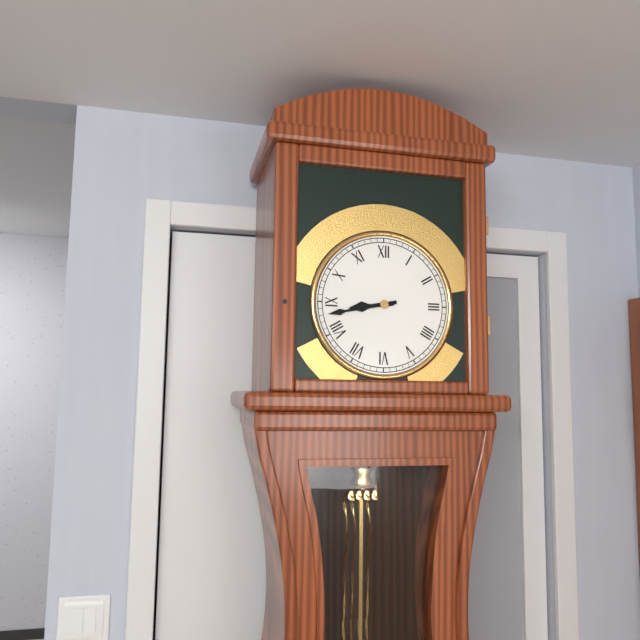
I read 8.43
